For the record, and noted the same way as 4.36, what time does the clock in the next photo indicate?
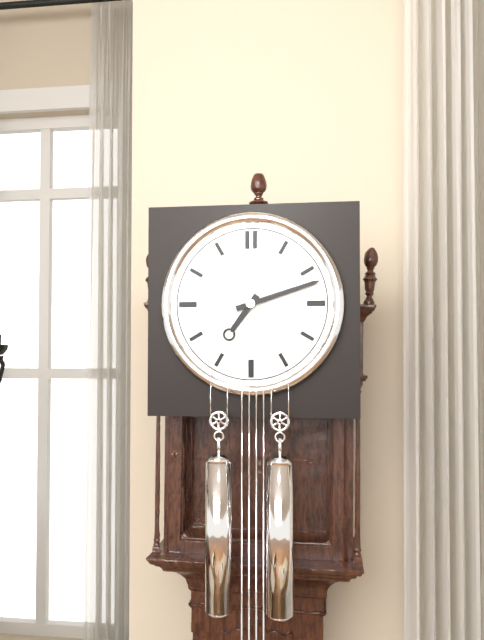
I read 7.12
